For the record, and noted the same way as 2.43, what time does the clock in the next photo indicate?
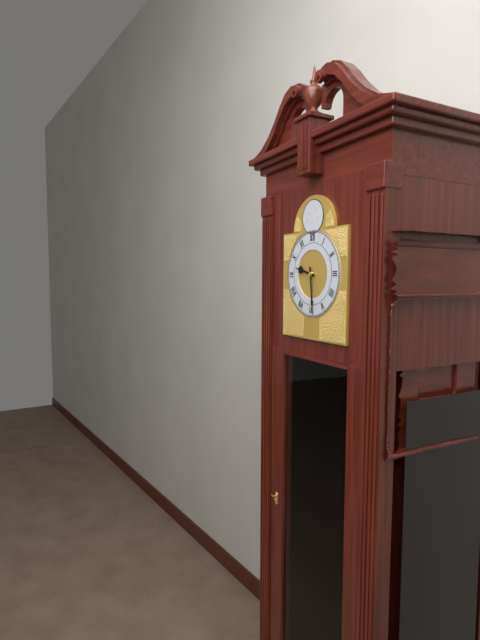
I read 9.29
